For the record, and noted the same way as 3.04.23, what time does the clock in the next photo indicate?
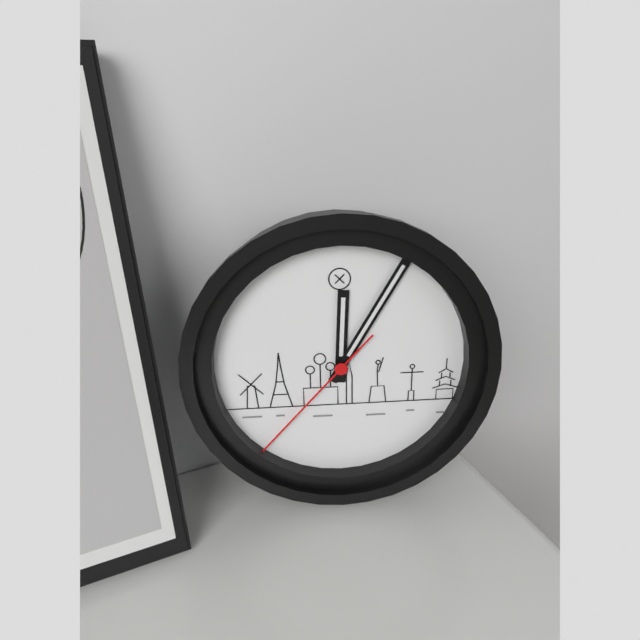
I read 12.05.37
